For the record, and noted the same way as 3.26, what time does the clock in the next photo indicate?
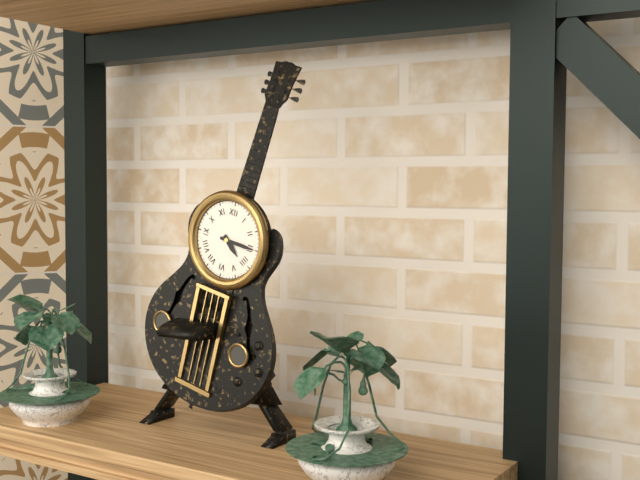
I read 4.15
